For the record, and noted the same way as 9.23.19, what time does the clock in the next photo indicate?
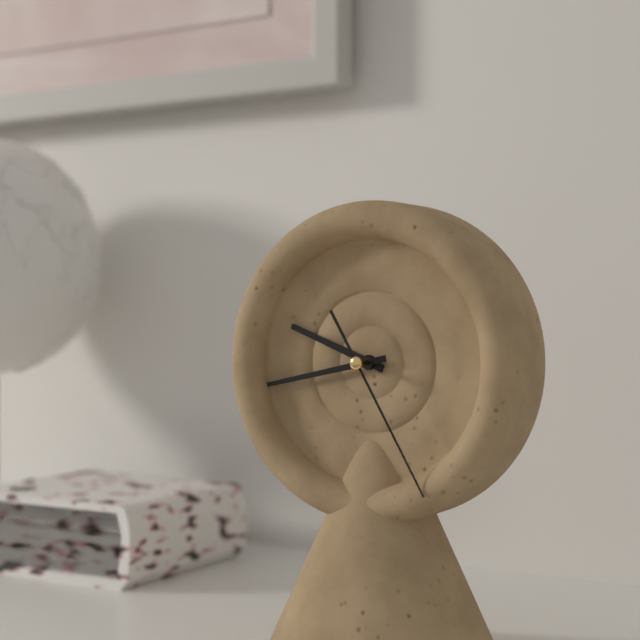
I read 9.43.25
